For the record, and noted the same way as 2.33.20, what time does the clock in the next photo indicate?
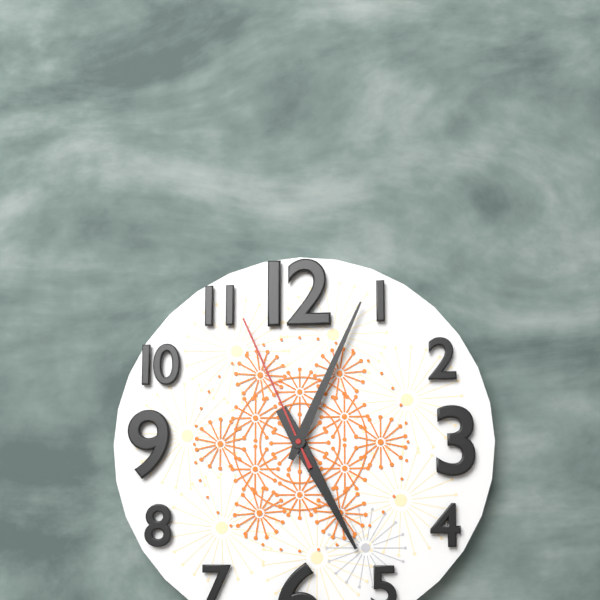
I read 5.04.56
